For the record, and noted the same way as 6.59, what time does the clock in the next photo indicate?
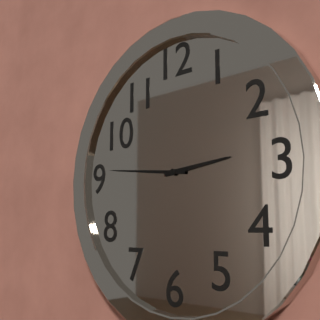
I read 2.46
